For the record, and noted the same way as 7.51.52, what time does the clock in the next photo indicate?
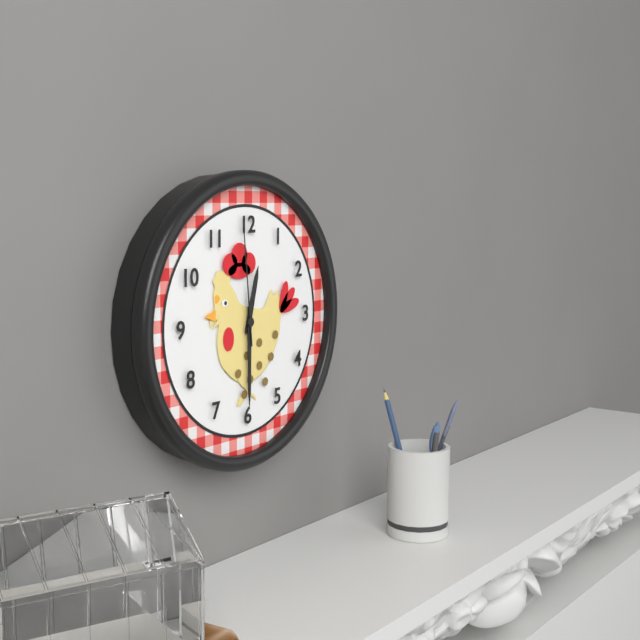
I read 12.30.59
